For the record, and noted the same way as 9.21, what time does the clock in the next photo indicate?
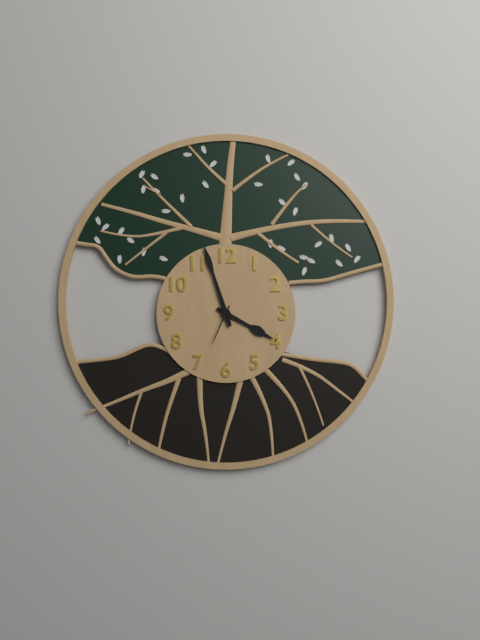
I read 3.57
